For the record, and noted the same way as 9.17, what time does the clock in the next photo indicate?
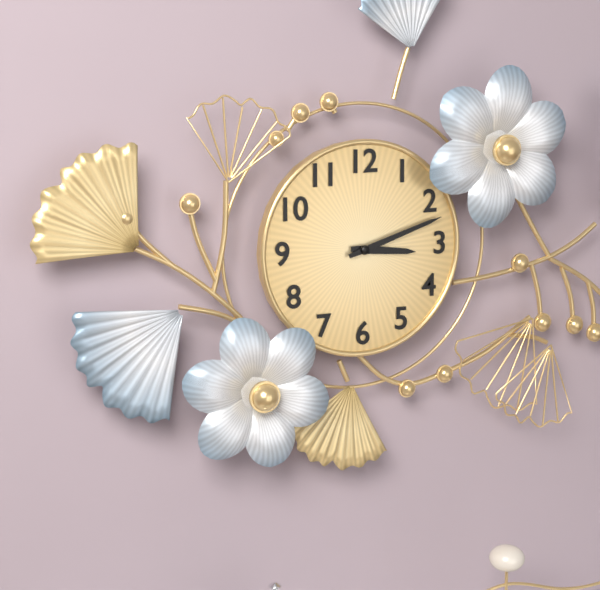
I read 3.12
